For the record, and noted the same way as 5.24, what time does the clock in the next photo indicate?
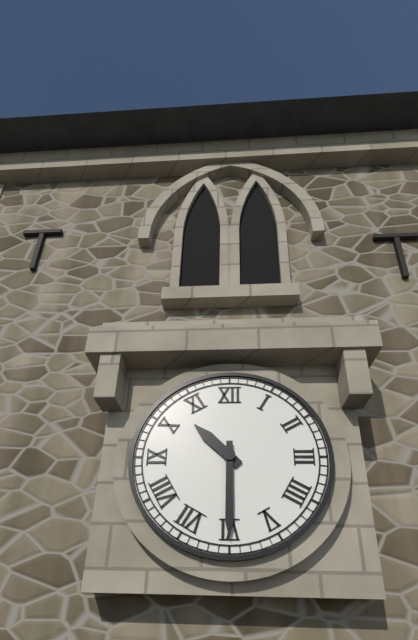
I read 10.30
